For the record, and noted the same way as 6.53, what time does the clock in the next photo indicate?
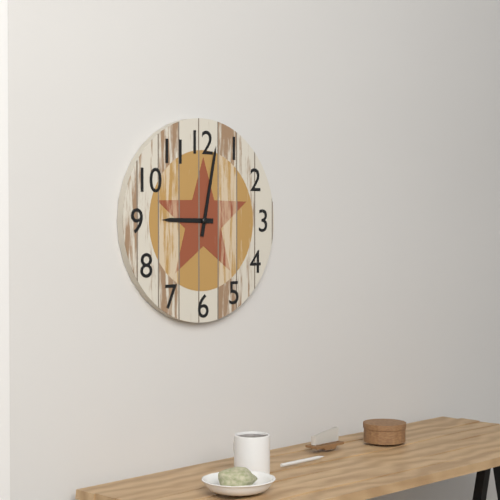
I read 9.02
